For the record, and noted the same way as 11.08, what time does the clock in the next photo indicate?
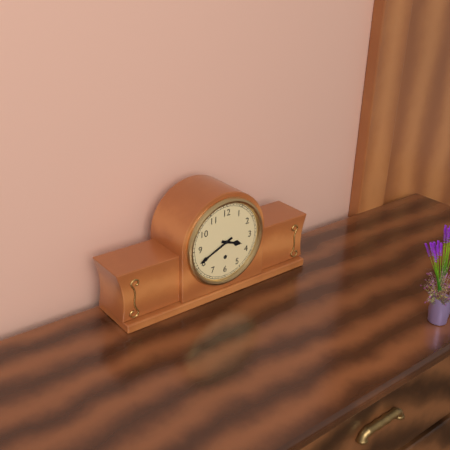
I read 3.41
